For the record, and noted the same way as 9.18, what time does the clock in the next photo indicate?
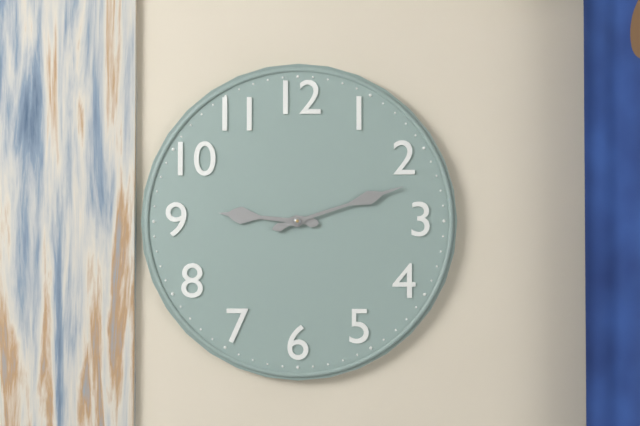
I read 9.12
